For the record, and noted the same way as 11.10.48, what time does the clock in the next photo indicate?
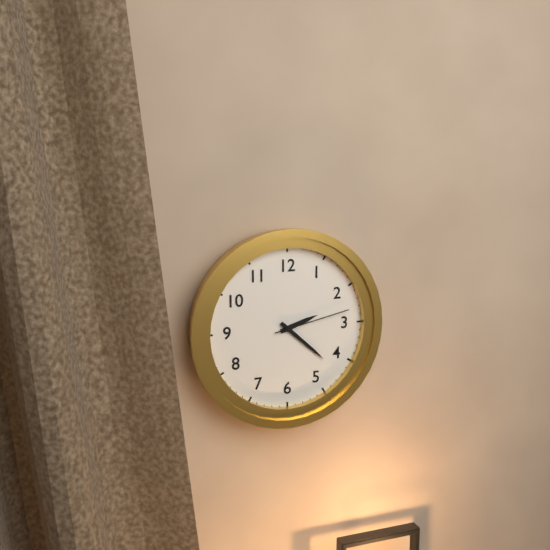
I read 2.22.13
